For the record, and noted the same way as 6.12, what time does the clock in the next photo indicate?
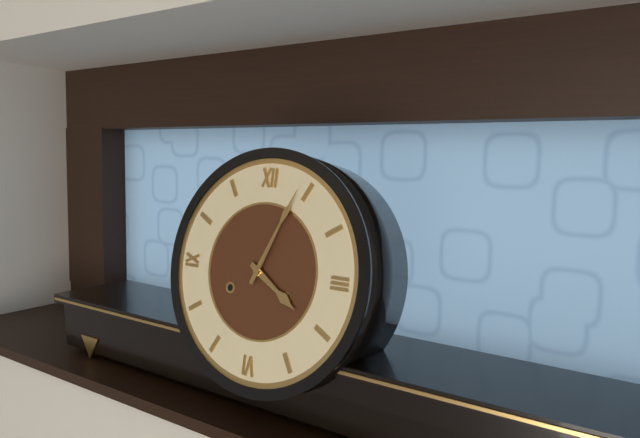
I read 4.04
